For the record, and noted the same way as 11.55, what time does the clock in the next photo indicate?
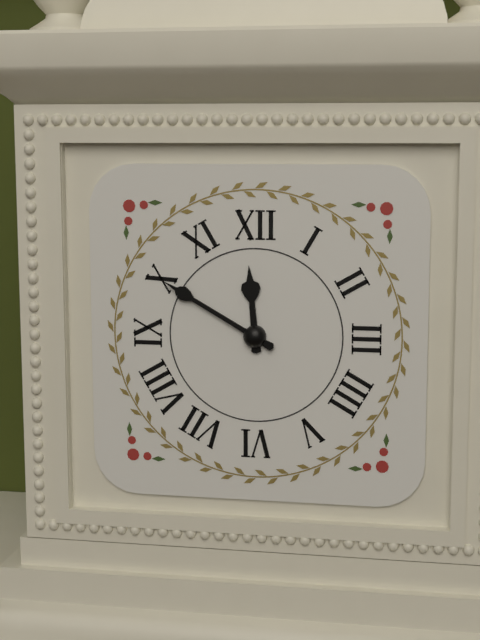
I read 11.50
